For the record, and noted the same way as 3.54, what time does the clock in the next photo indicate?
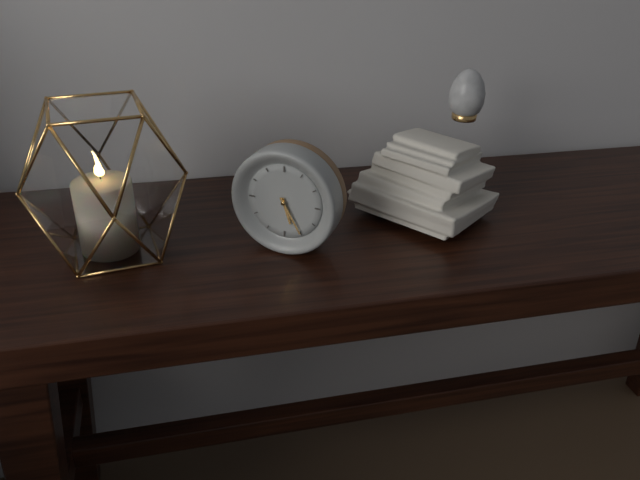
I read 5.25
